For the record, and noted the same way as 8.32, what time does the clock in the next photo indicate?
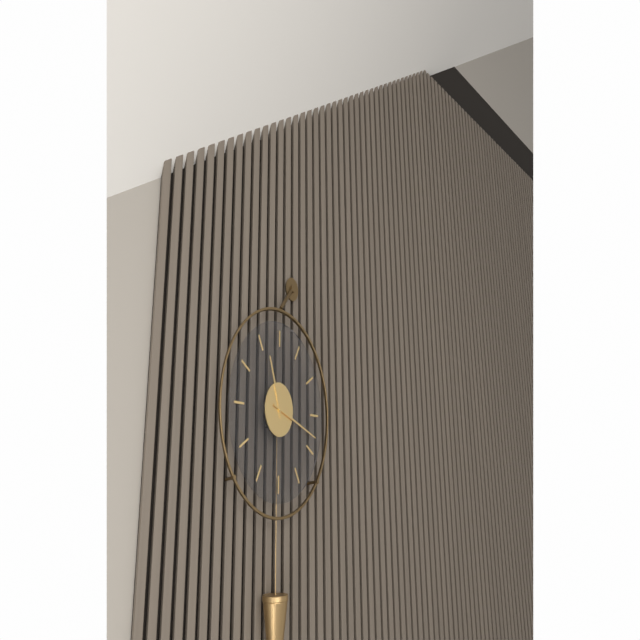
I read 11.18
